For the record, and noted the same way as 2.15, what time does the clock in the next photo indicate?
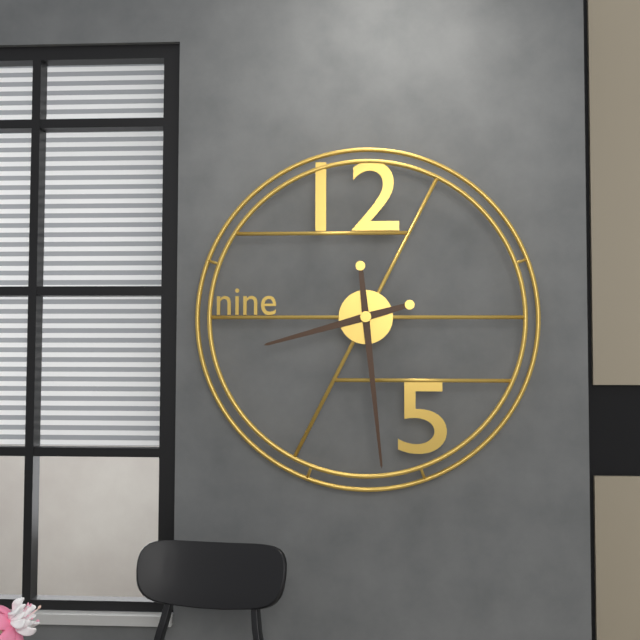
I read 8.29
